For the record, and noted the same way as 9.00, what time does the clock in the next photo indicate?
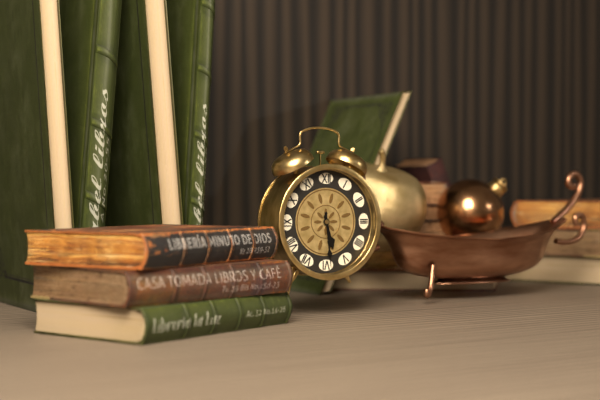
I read 5.29
